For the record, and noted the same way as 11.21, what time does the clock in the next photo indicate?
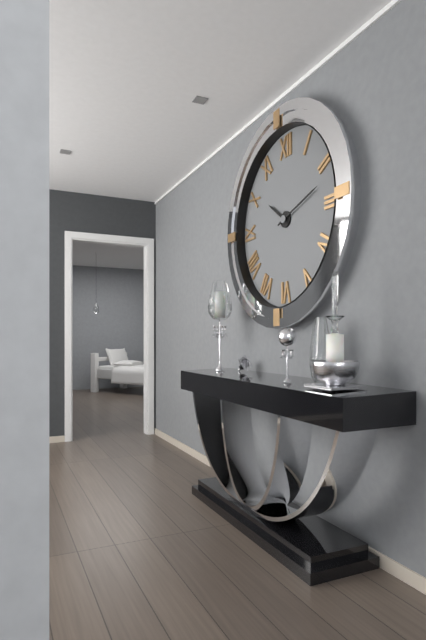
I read 10.12
